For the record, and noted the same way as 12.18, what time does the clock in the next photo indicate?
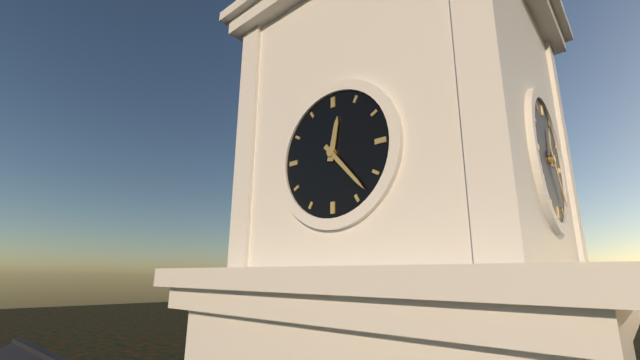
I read 12.23
